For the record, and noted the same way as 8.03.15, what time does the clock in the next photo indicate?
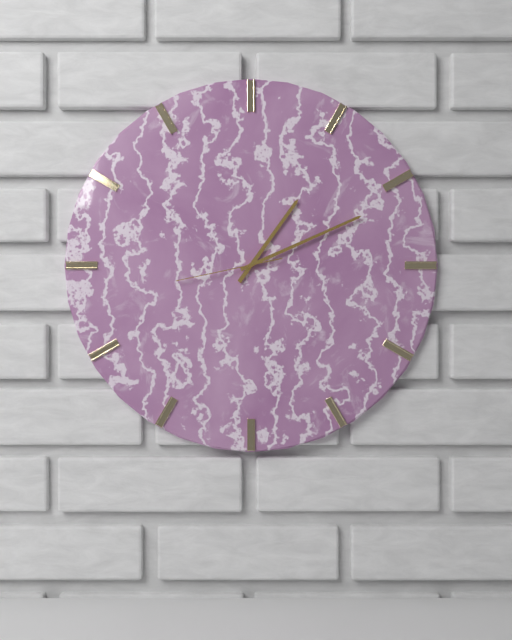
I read 1.11.43
